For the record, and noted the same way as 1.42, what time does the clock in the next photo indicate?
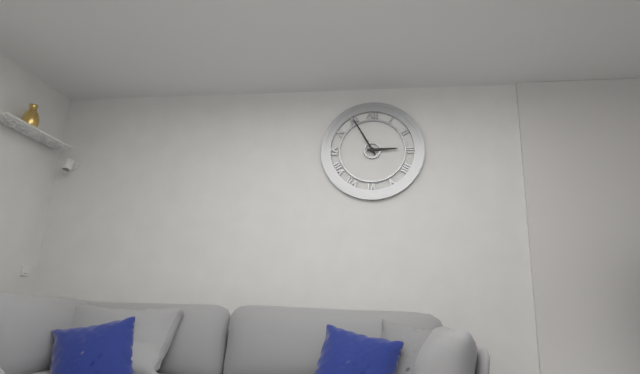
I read 2.55
